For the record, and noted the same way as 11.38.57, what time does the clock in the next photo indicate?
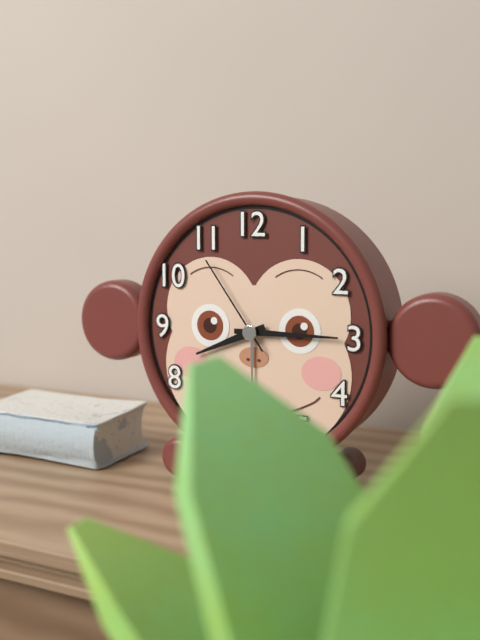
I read 8.15.54
